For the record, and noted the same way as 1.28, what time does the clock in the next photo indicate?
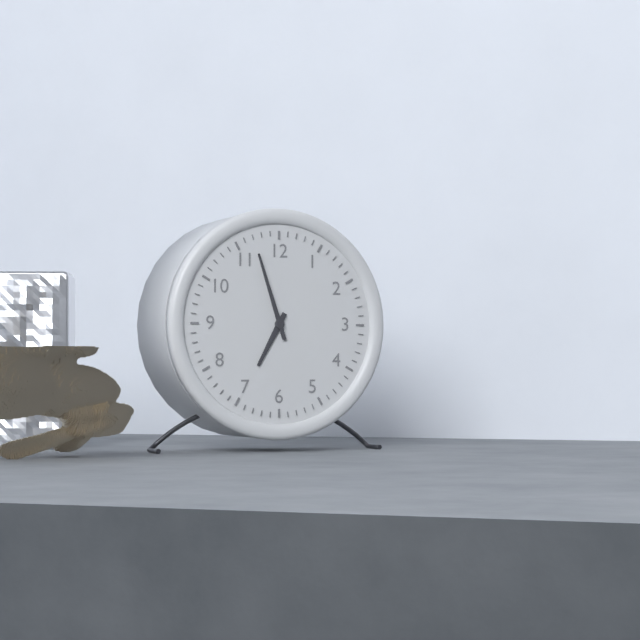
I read 6.57
